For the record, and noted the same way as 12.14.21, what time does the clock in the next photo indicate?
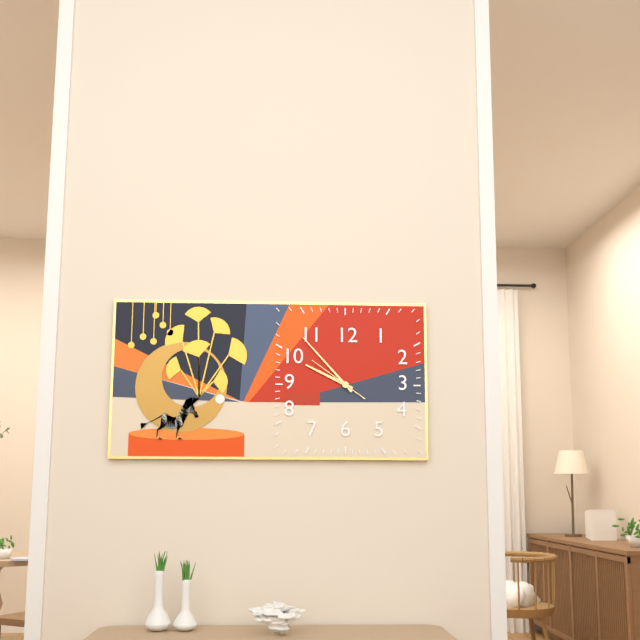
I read 9.53.51
